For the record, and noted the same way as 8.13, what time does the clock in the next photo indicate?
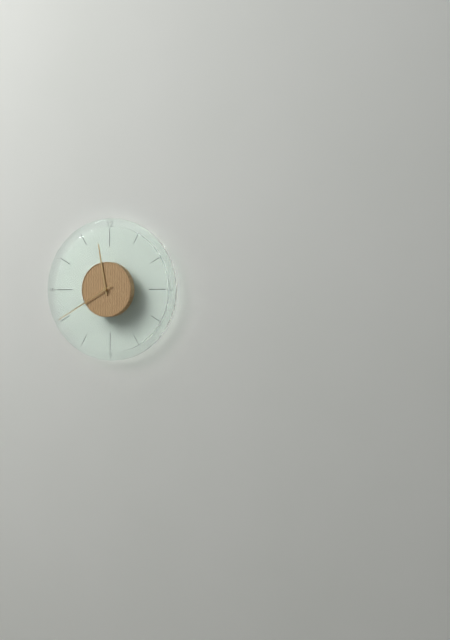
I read 11.40
